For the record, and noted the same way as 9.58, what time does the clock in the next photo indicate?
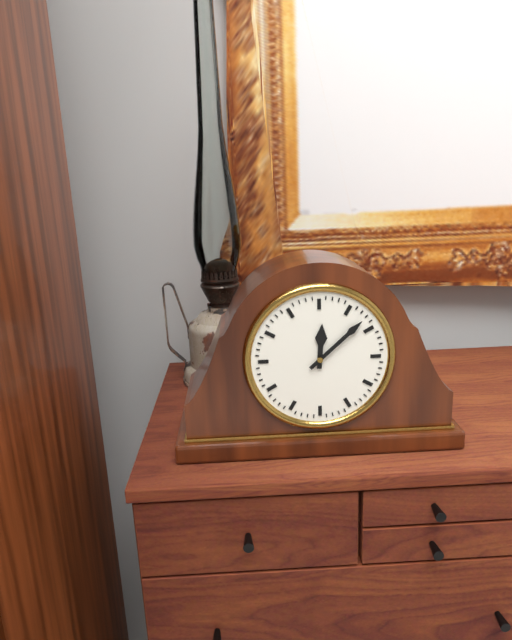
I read 12.08
